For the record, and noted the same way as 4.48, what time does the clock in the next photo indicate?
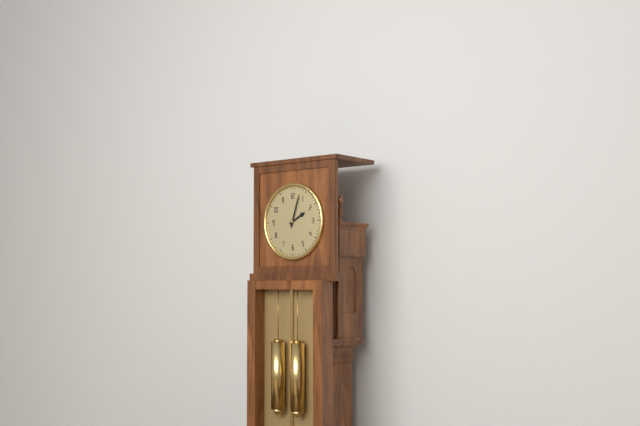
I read 2.03
